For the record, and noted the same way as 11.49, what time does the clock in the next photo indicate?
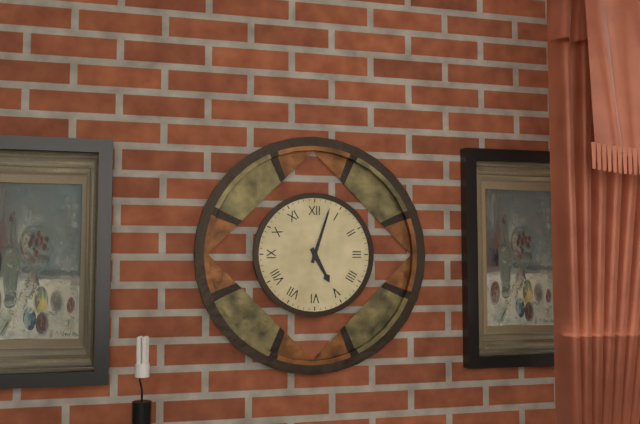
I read 5.03
